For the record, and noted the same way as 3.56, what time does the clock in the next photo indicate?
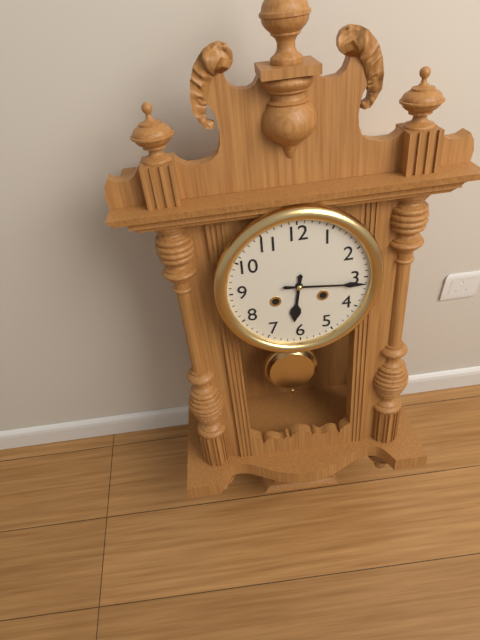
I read 6.16
